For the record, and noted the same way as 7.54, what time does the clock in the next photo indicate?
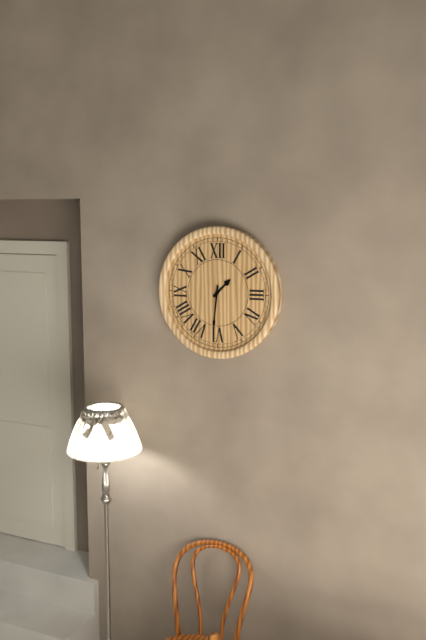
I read 1.31
